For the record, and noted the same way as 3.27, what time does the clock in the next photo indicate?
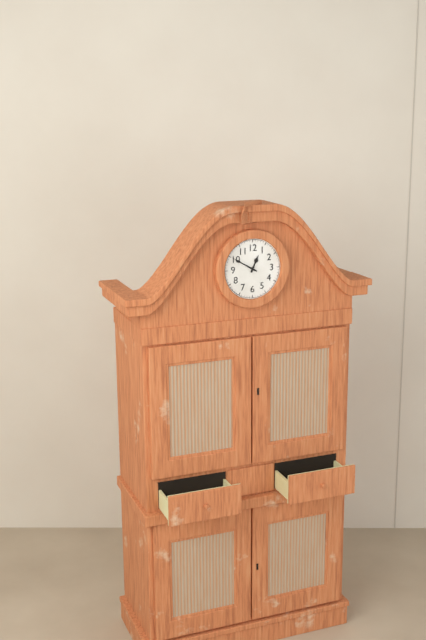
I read 12.50
